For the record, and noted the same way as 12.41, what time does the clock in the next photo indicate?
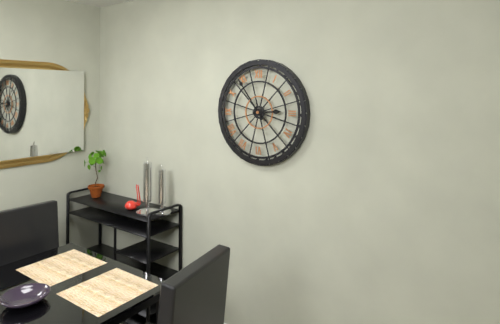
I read 2.54
